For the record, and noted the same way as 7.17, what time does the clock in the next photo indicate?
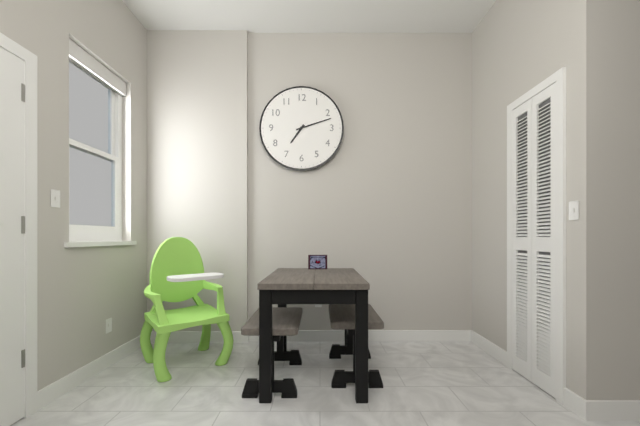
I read 7.12
